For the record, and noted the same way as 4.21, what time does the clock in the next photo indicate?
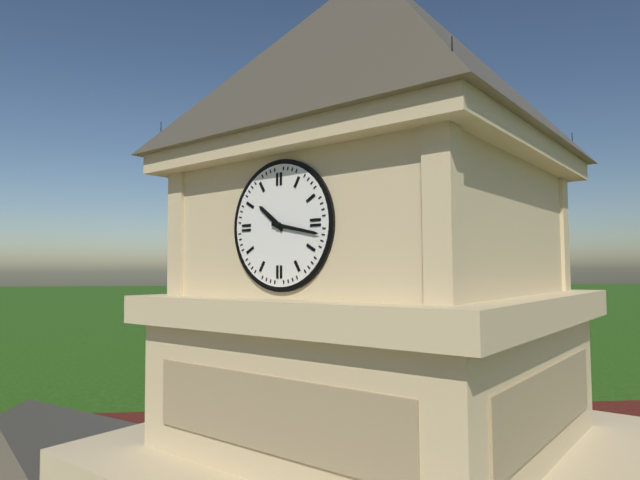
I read 10.17
